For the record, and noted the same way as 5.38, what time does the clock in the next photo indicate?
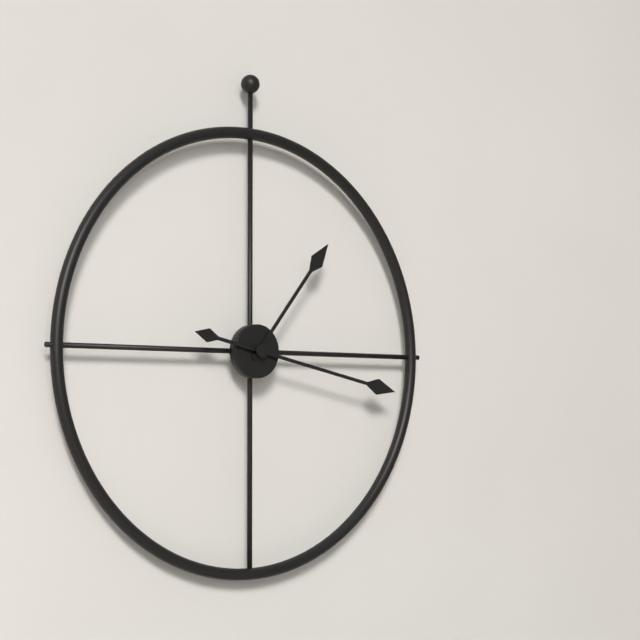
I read 1.17
